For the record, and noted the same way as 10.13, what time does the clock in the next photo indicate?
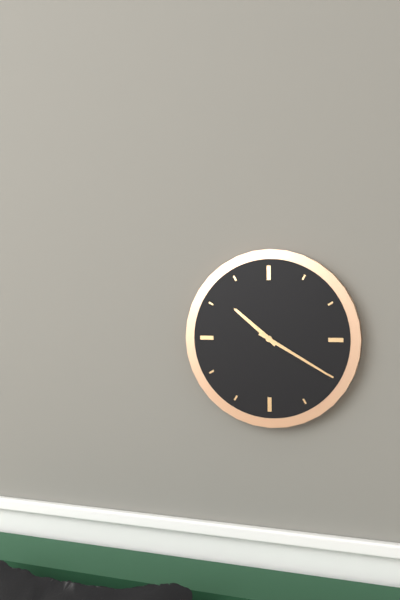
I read 10.20
